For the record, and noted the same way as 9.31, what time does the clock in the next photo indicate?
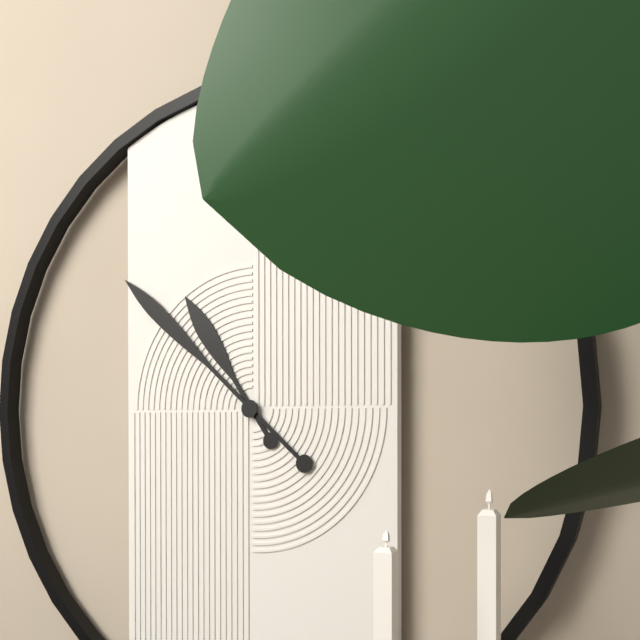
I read 10.52
